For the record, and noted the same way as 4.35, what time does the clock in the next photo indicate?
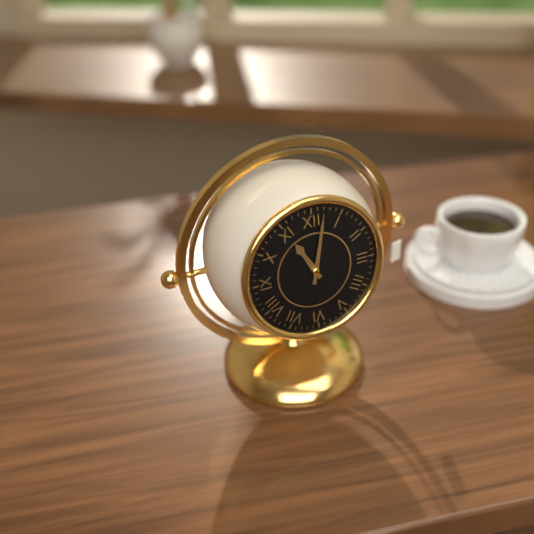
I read 11.02
